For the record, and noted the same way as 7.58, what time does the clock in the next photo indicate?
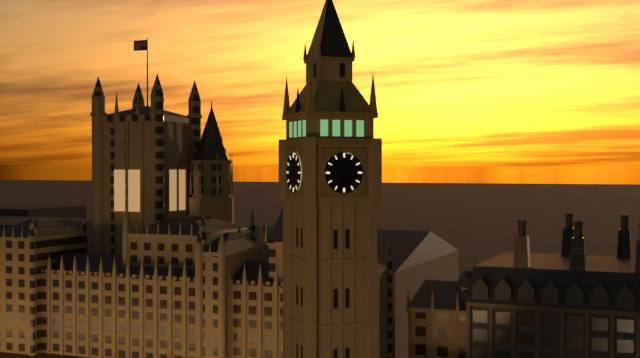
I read 11.29
